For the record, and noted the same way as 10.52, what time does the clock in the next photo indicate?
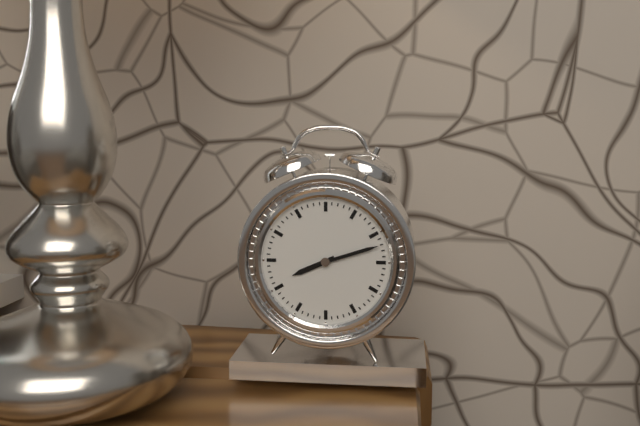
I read 8.12
